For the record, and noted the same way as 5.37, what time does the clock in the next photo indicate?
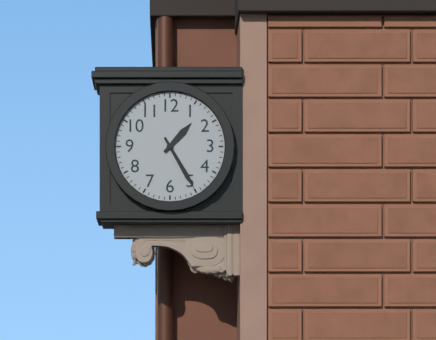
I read 1.25
